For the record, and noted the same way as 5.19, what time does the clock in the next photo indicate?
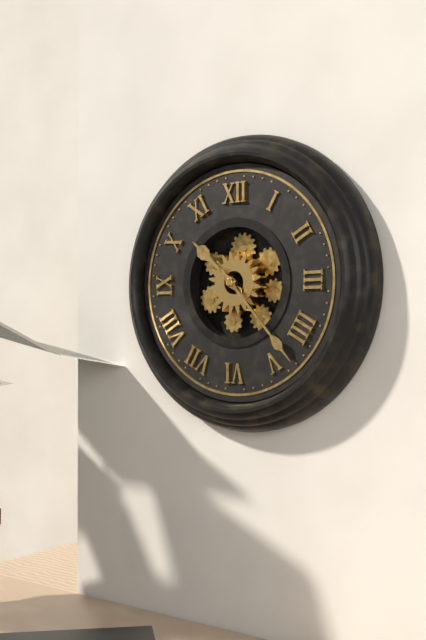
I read 10.23
